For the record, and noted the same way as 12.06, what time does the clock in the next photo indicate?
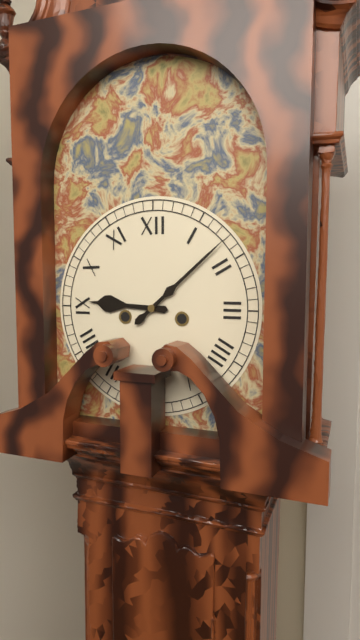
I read 9.08
